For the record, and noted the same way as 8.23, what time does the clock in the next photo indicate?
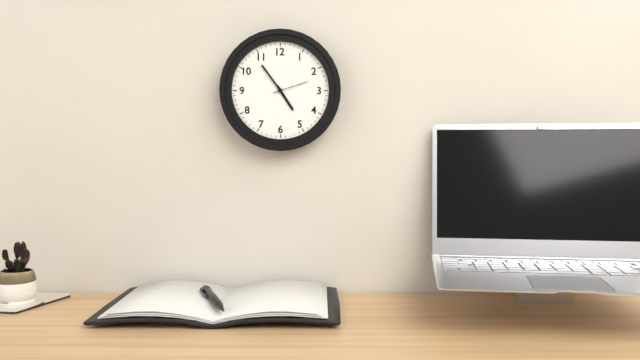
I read 4.54
